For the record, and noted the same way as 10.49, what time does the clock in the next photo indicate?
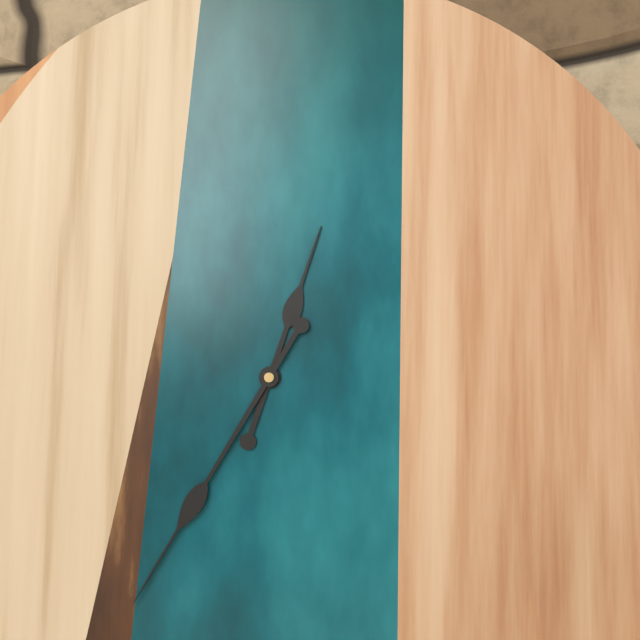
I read 12.35
